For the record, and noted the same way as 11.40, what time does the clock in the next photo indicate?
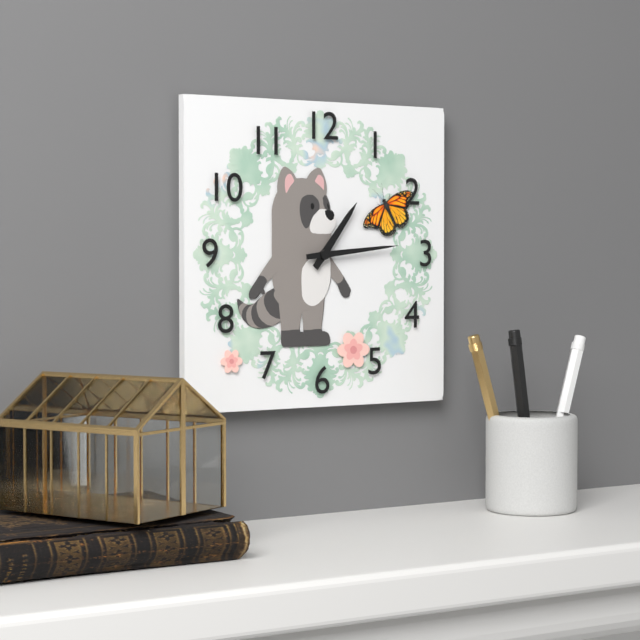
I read 1.14
